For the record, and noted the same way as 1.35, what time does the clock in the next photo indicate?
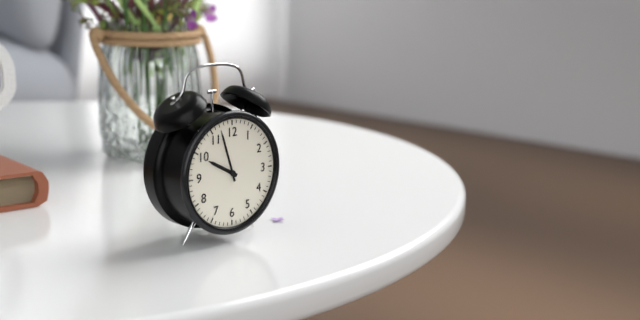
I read 9.57
